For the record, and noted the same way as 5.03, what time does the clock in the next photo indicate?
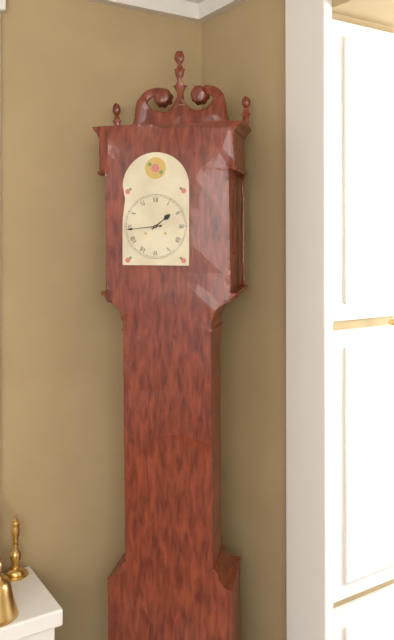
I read 1.44
